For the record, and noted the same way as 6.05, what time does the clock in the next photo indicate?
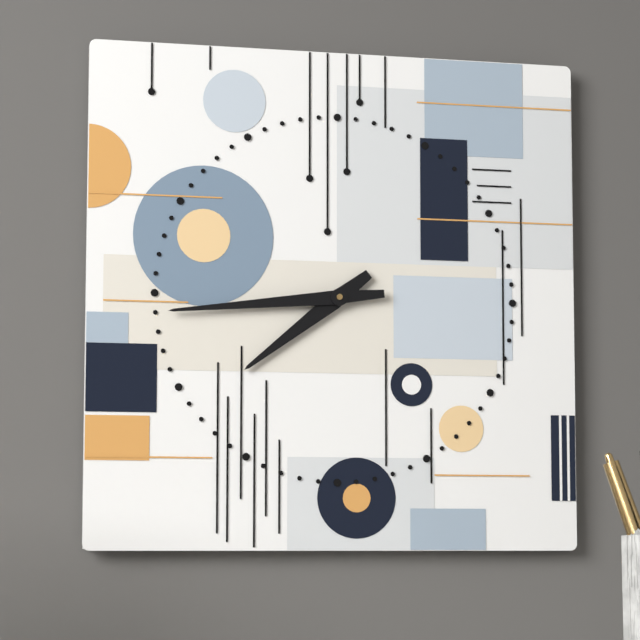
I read 7.44
